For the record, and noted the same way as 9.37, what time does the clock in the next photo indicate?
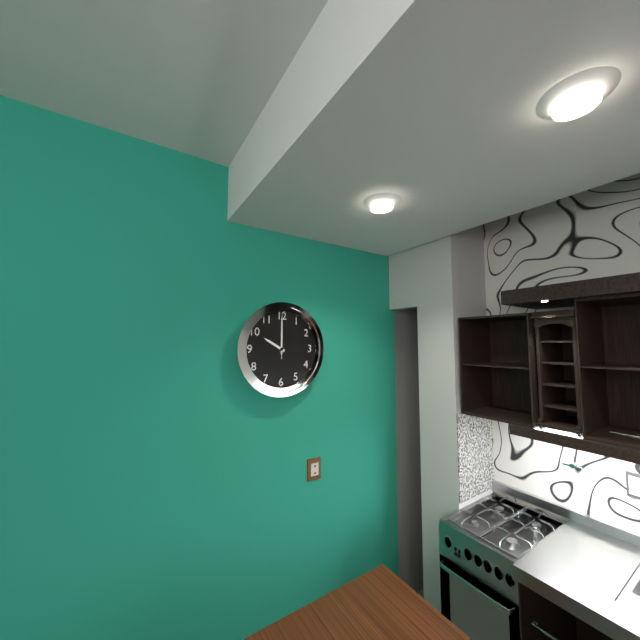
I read 10.00
